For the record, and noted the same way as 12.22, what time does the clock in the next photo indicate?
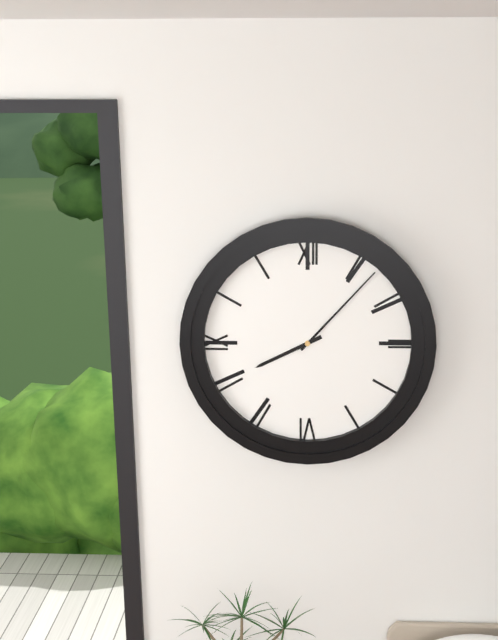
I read 8.07
